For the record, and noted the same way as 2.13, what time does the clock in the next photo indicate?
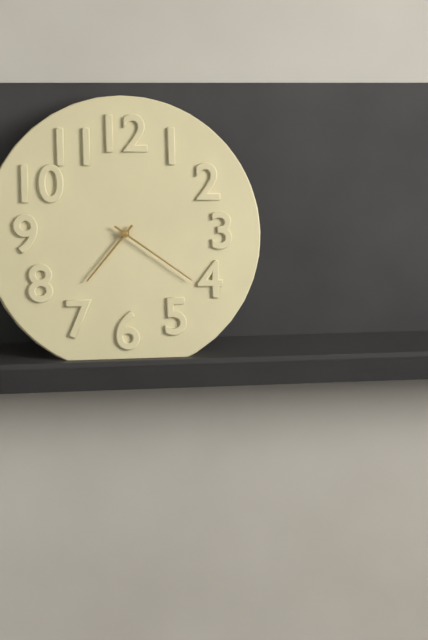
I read 7.21
